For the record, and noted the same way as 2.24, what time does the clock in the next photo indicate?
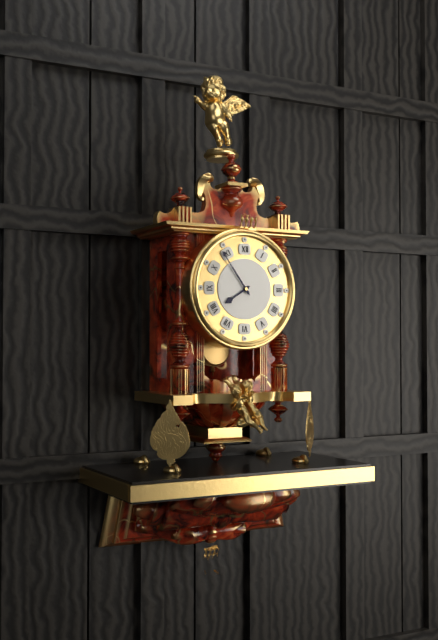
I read 7.54
